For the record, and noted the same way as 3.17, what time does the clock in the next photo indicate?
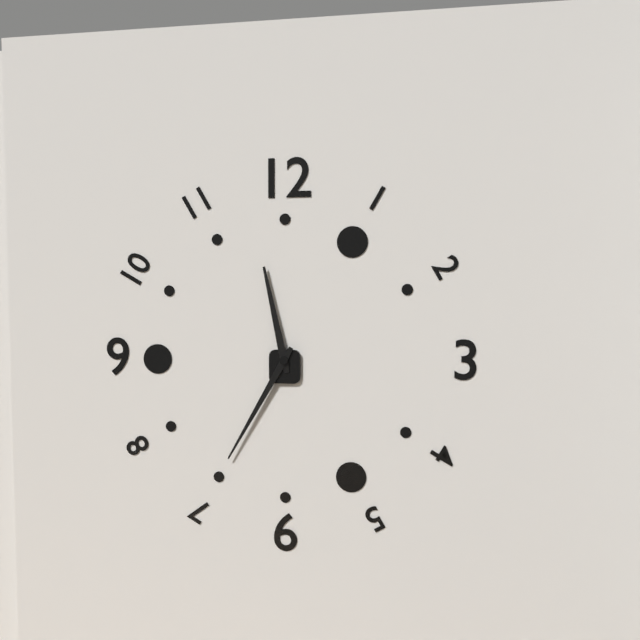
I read 11.35
